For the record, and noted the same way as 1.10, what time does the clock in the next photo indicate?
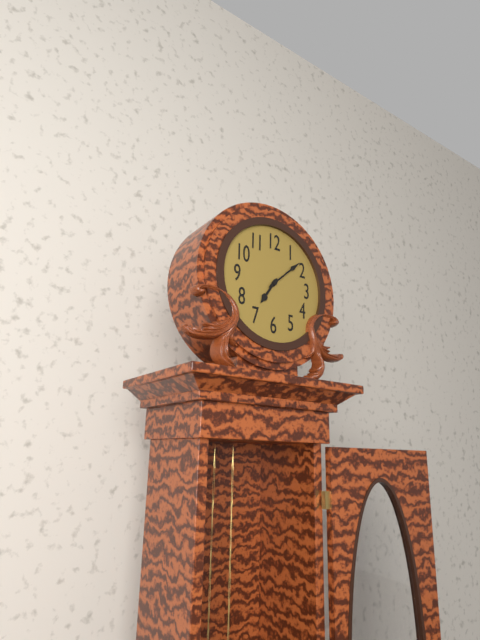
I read 7.08
